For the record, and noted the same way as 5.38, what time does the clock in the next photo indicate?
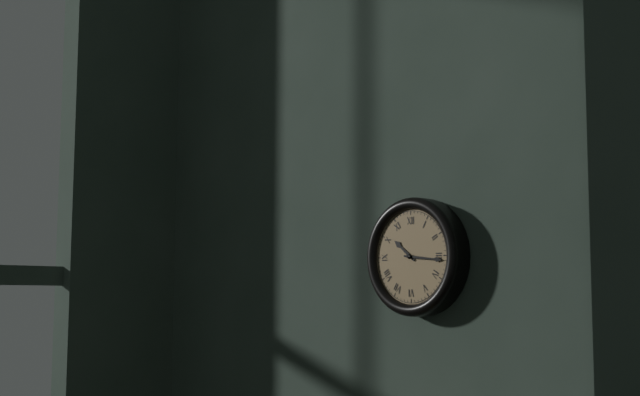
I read 10.16
